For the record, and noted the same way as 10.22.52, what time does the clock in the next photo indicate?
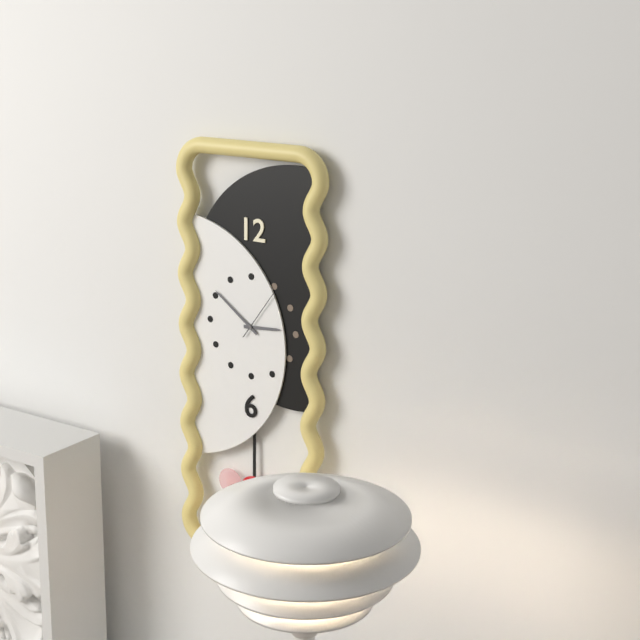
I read 2.51.06
